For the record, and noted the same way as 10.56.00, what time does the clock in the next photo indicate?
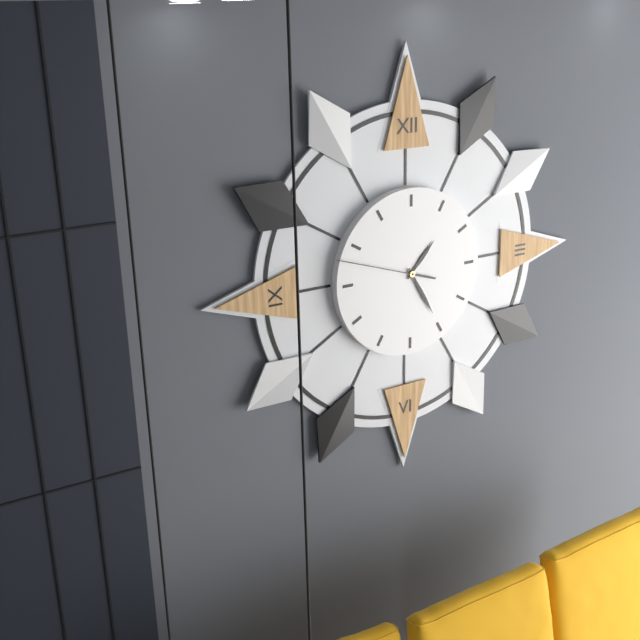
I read 1.25.48
